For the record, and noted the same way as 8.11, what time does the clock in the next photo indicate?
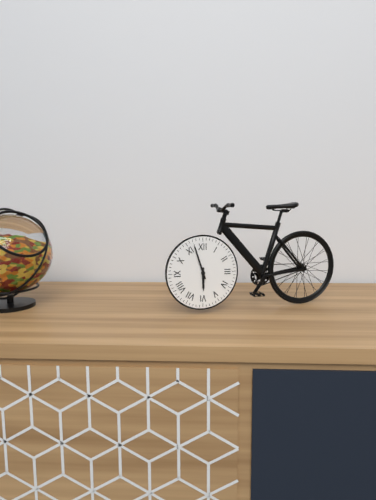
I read 5.57
